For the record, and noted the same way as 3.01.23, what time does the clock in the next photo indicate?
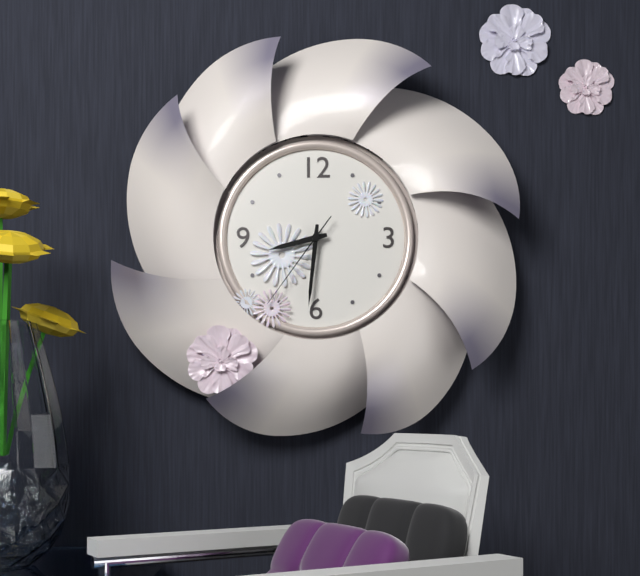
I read 8.31.36
